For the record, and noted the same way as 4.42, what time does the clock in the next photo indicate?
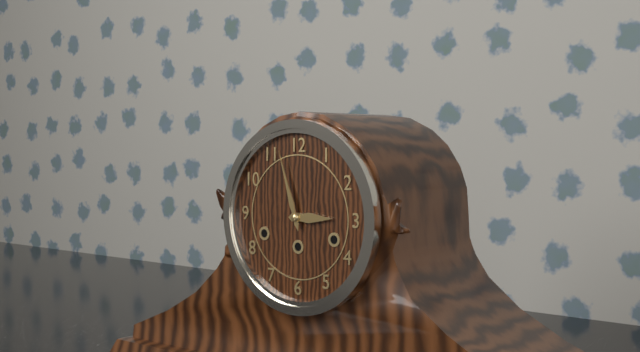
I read 2.57
